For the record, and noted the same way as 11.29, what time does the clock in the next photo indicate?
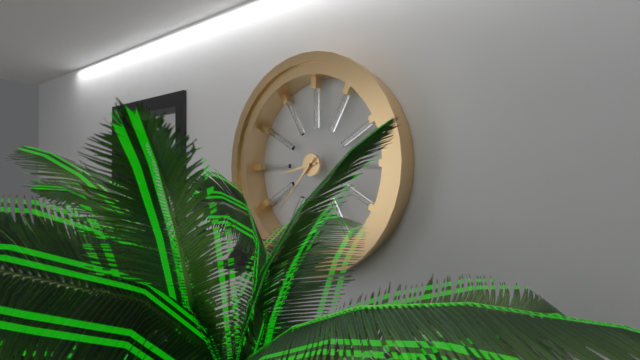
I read 8.37
